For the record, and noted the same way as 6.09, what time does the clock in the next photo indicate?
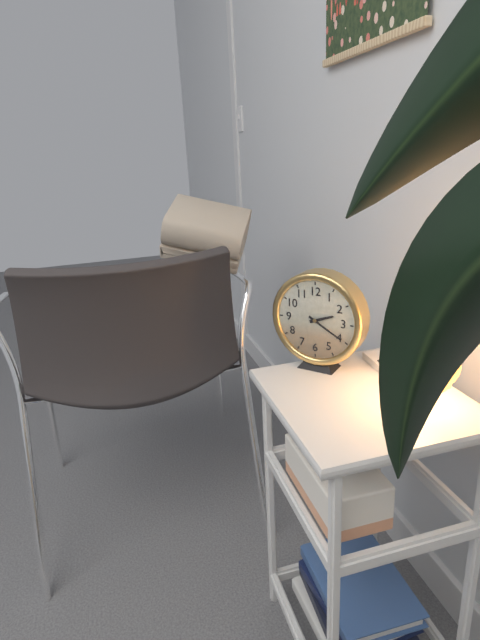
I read 2.20
